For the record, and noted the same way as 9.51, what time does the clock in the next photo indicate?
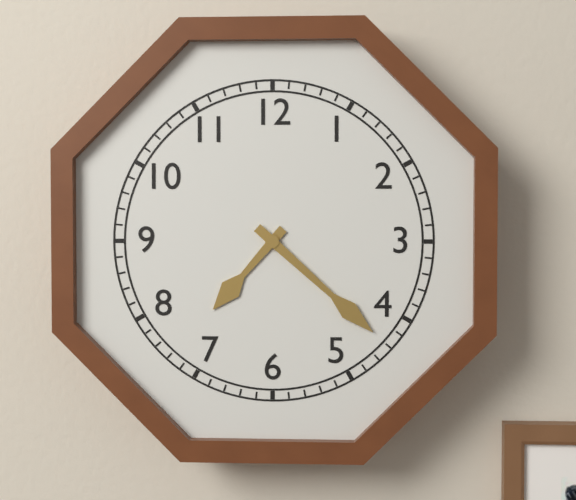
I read 7.22
